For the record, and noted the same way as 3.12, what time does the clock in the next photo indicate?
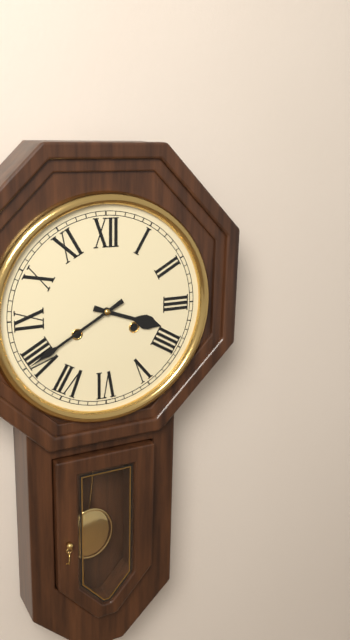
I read 3.40
